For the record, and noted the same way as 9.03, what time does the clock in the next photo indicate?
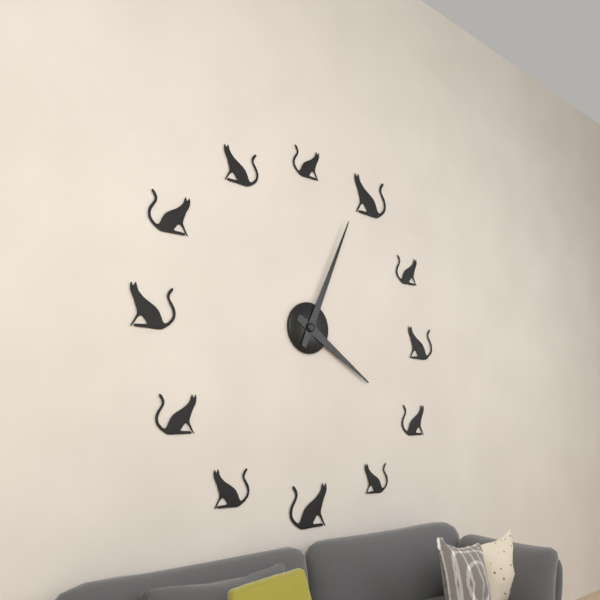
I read 4.04
